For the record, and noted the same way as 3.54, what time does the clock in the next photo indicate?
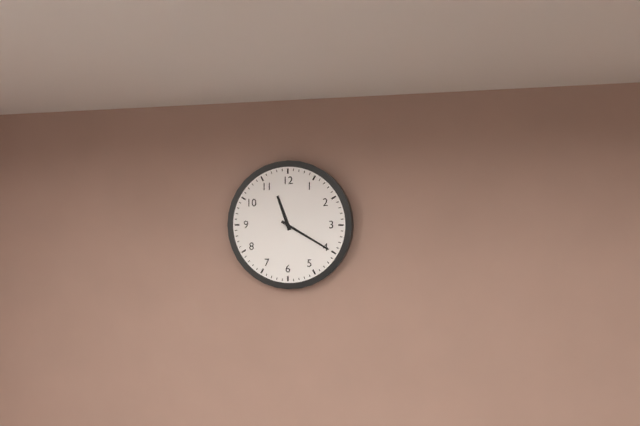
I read 11.20
